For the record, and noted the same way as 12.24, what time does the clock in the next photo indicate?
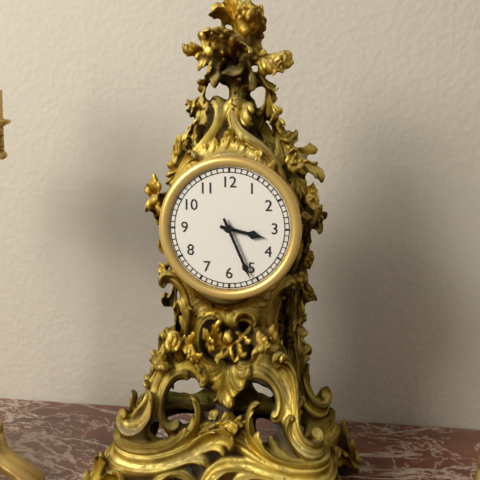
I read 3.26
